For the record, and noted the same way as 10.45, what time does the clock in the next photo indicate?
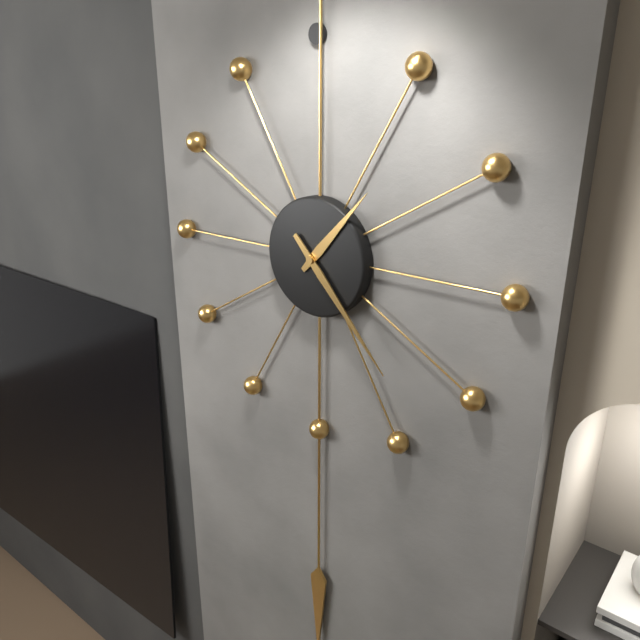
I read 1.23
